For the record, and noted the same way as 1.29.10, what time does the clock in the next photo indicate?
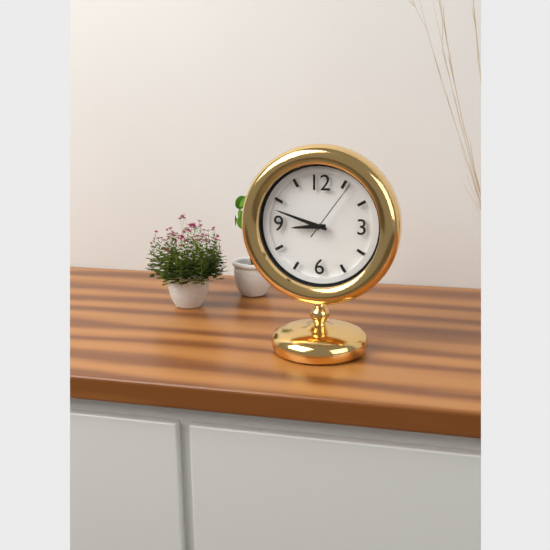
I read 8.48.06
